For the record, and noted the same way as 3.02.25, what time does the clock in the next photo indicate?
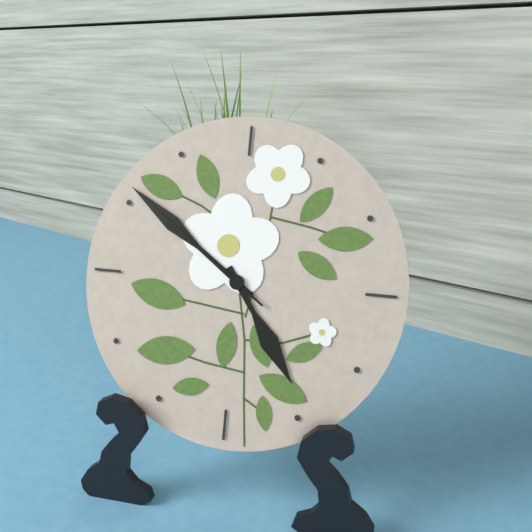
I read 4.51.51
